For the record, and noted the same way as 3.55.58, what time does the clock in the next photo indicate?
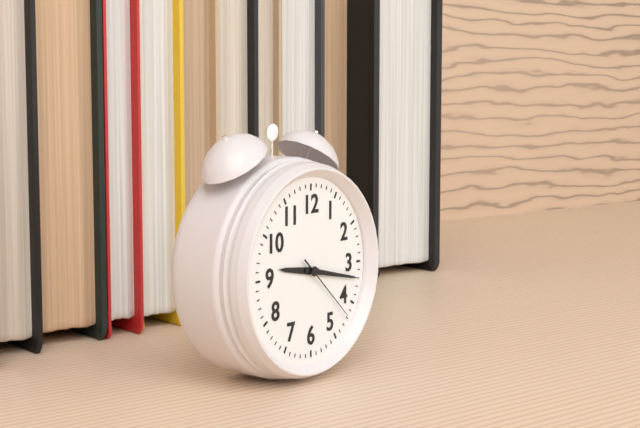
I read 9.17.22
